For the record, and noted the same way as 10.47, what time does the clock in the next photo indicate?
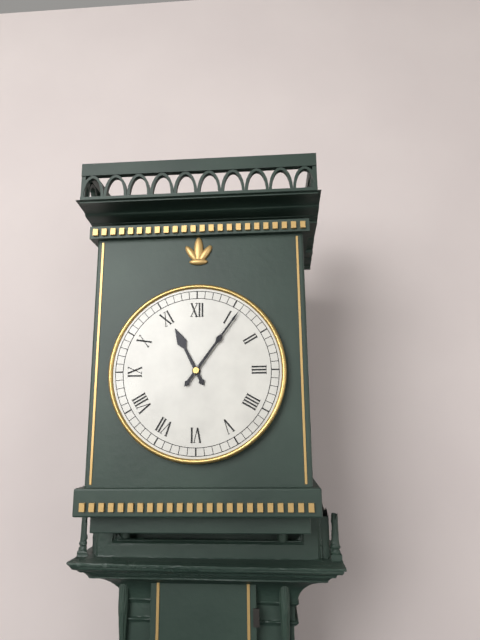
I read 11.06
